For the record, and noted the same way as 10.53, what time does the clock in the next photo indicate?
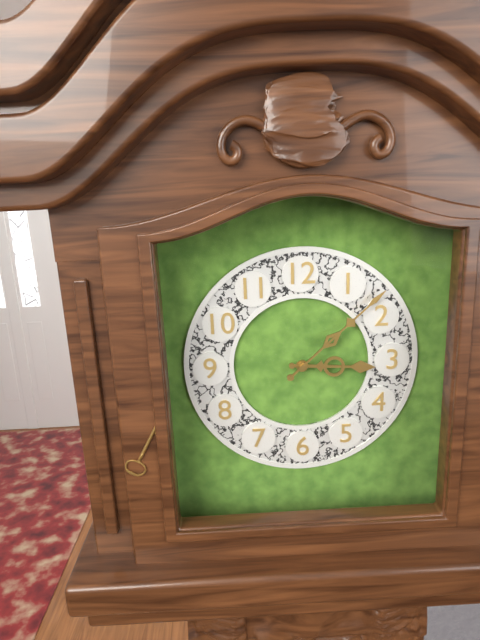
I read 3.08
